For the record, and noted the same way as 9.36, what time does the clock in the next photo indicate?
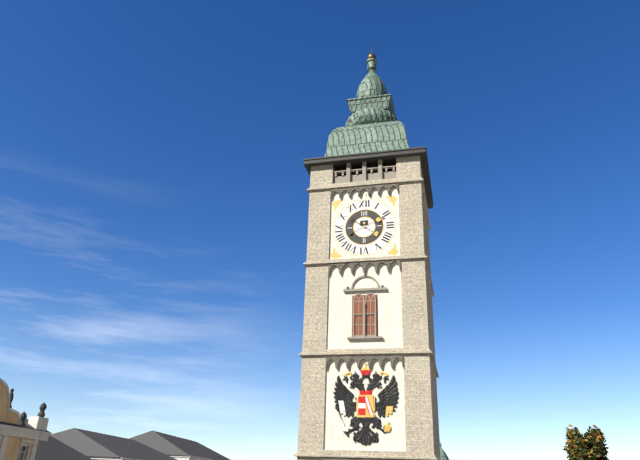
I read 4.11
